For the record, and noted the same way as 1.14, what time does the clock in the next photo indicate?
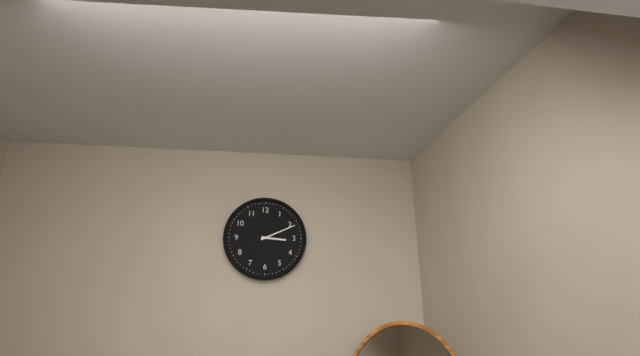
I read 3.11
